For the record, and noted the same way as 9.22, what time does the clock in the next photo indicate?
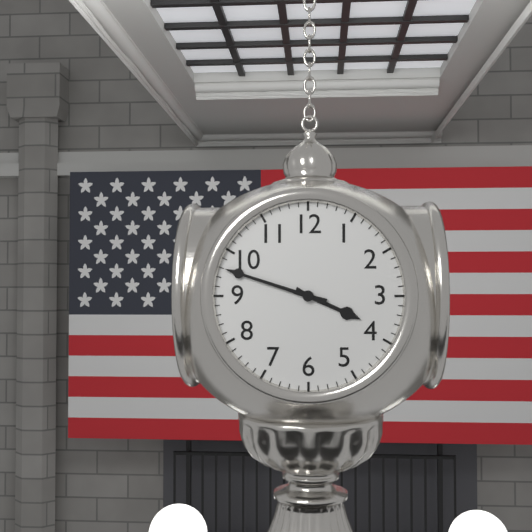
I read 3.48
